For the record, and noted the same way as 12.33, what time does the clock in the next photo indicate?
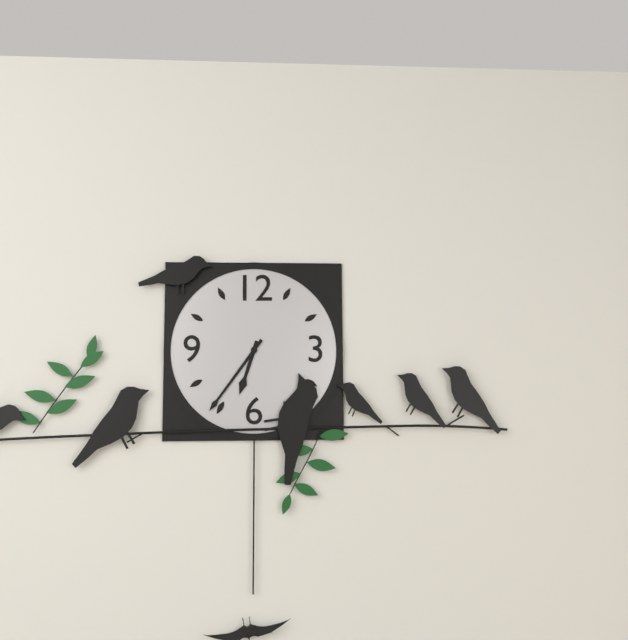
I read 6.36
